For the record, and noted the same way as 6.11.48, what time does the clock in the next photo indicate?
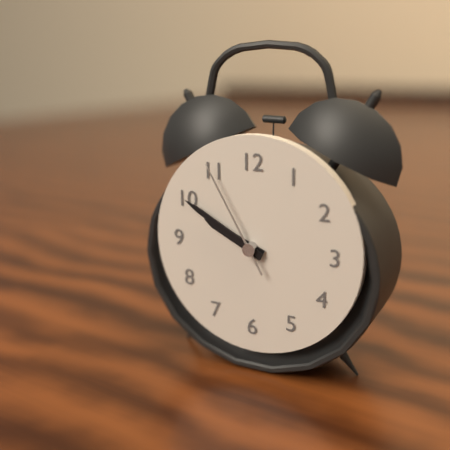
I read 9.50.55
